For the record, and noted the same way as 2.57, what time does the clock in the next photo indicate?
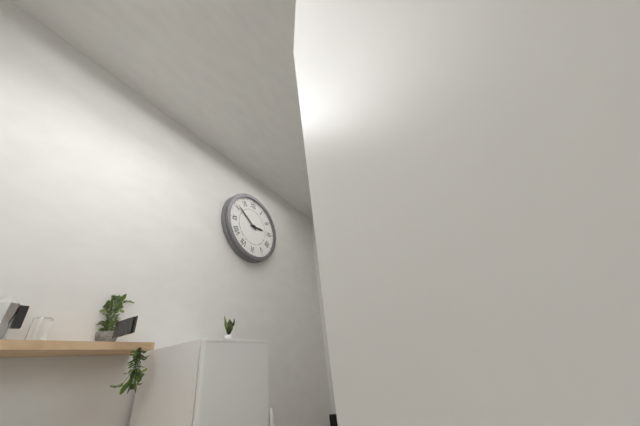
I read 2.51
